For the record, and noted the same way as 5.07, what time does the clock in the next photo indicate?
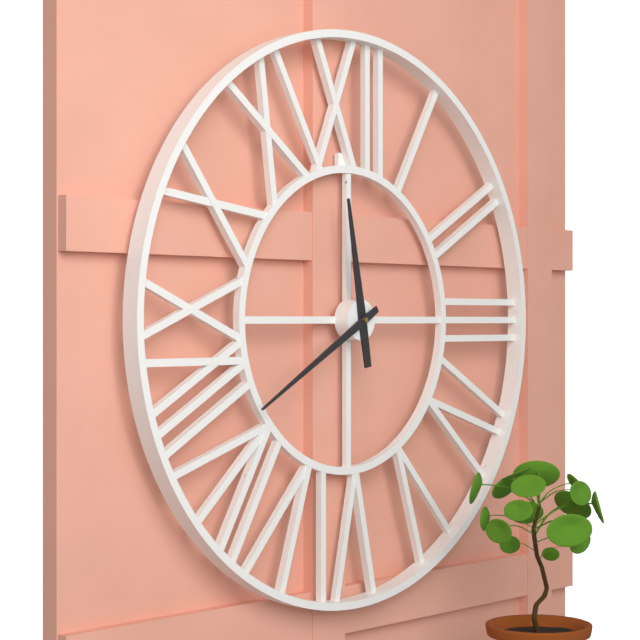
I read 11.40
